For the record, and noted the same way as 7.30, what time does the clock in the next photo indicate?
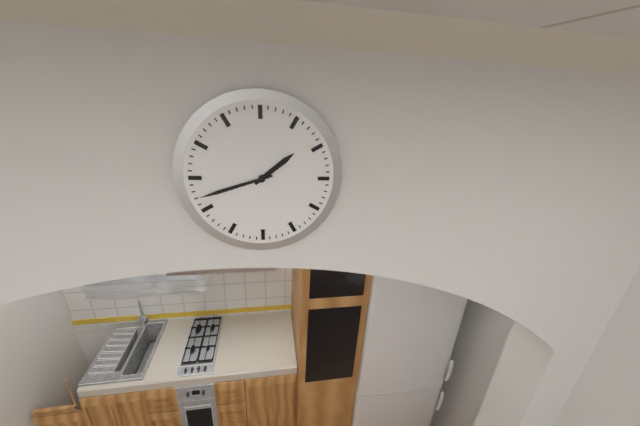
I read 1.42
